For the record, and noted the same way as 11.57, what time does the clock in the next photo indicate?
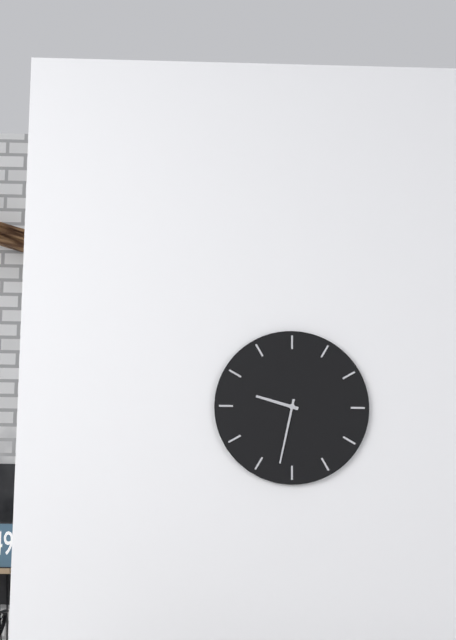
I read 9.32
